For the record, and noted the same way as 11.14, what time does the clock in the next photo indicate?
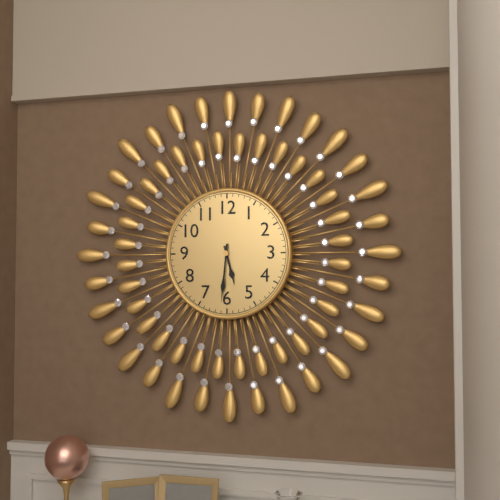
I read 5.31
